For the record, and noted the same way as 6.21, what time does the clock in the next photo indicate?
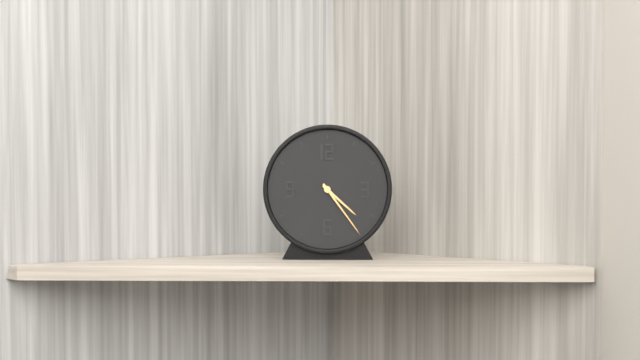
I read 4.24
